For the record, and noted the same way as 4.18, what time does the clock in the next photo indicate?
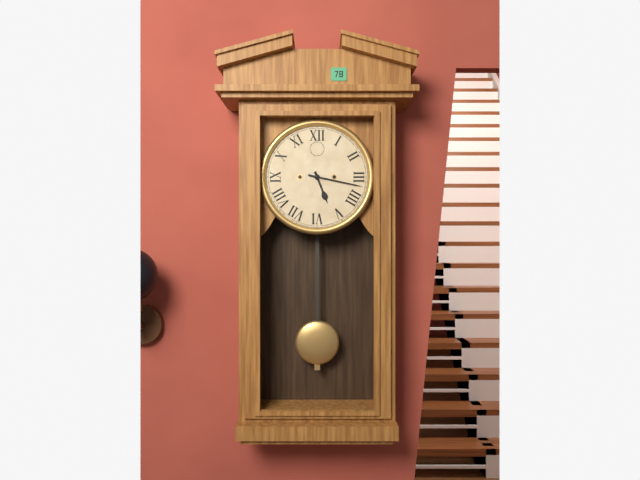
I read 5.17
